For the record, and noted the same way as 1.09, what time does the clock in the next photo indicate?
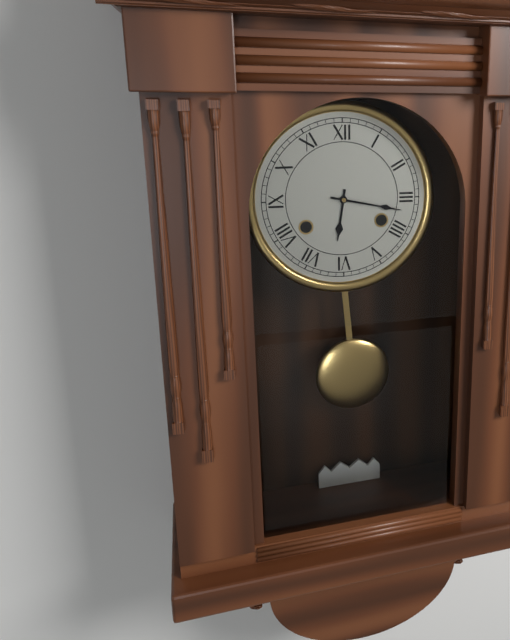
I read 6.17
